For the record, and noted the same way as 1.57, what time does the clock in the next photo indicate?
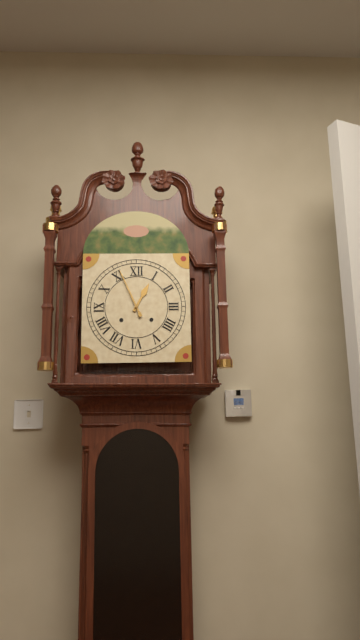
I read 12.56
